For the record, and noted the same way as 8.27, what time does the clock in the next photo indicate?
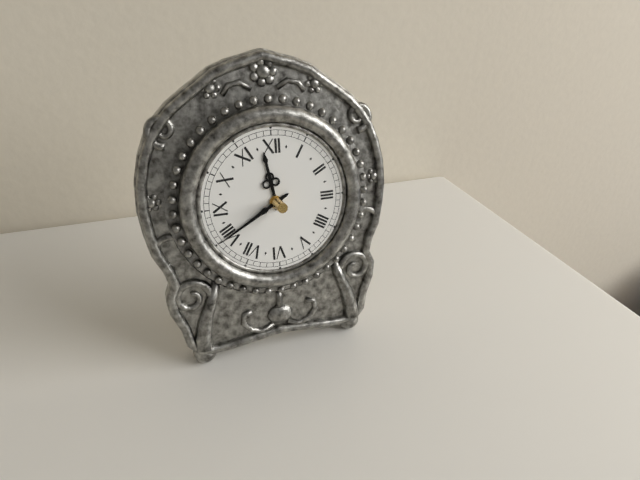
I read 11.40
